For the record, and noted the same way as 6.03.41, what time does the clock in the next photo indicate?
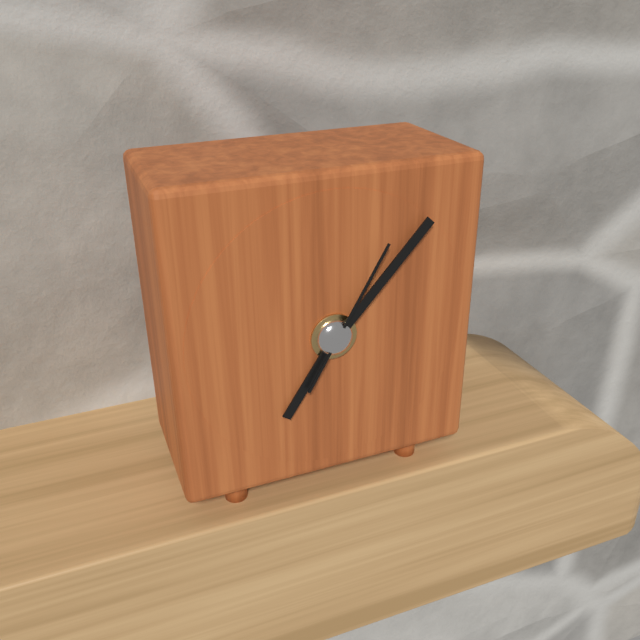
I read 7.07.05
